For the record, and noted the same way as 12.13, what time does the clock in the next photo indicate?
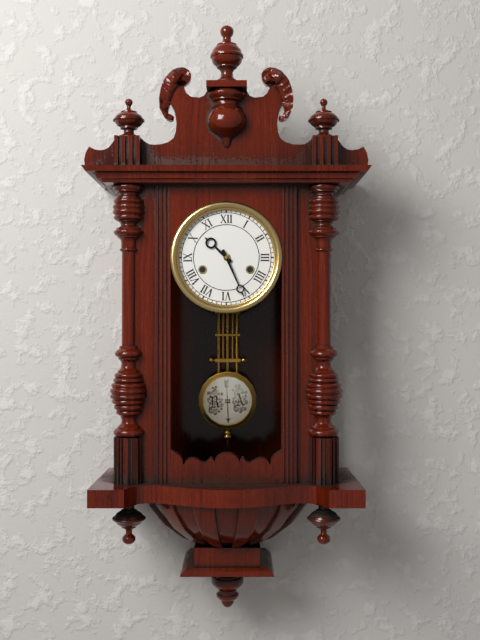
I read 10.26
